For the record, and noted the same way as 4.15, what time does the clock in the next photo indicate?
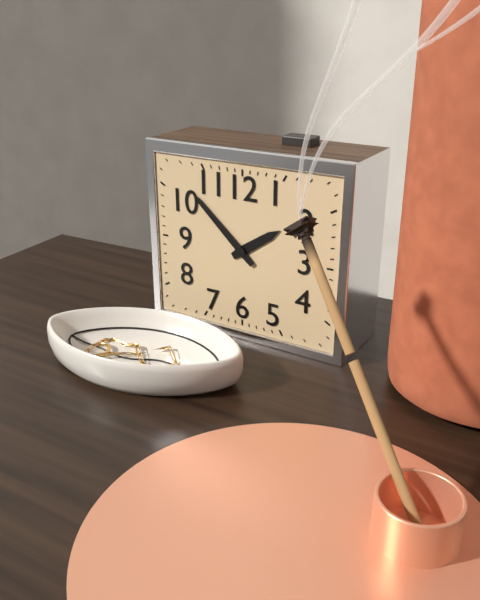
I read 1.52
